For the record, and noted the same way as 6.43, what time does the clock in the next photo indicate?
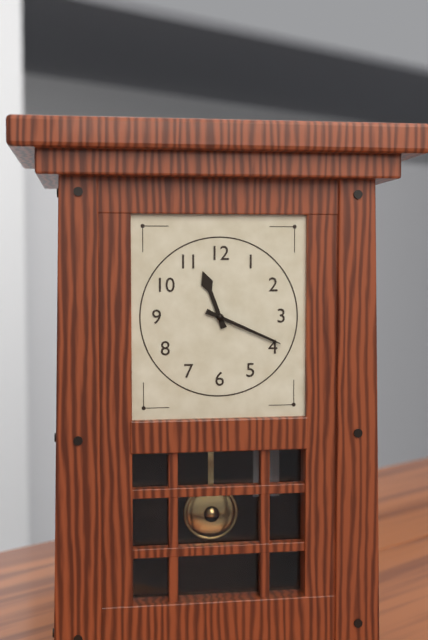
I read 11.19
